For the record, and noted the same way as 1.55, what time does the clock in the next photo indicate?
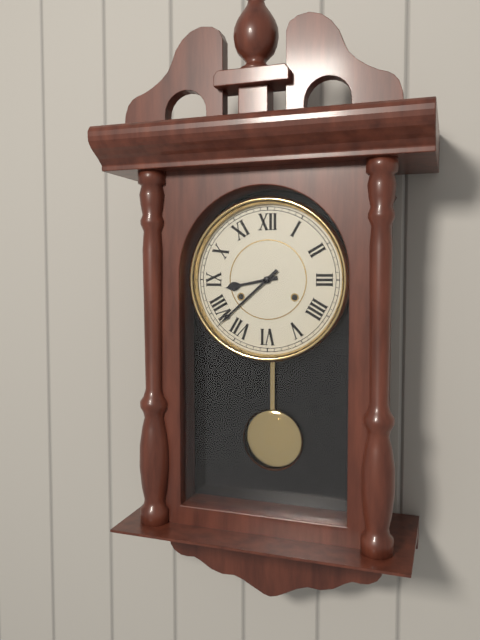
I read 8.38
